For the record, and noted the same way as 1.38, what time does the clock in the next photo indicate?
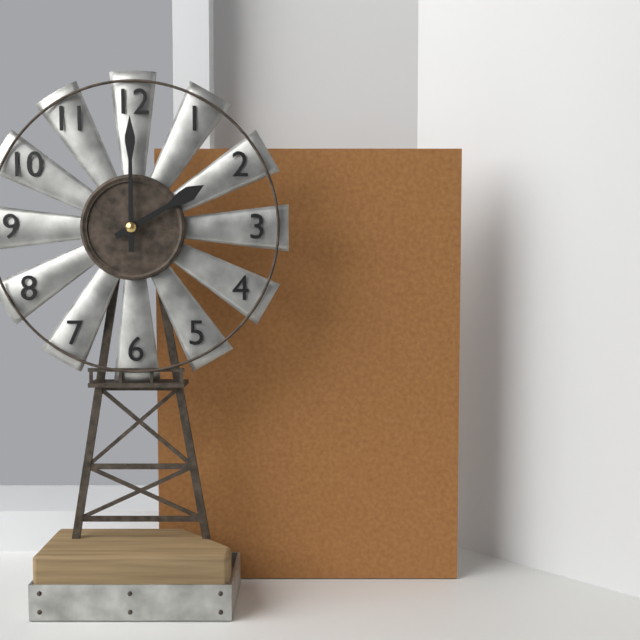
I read 2.00
